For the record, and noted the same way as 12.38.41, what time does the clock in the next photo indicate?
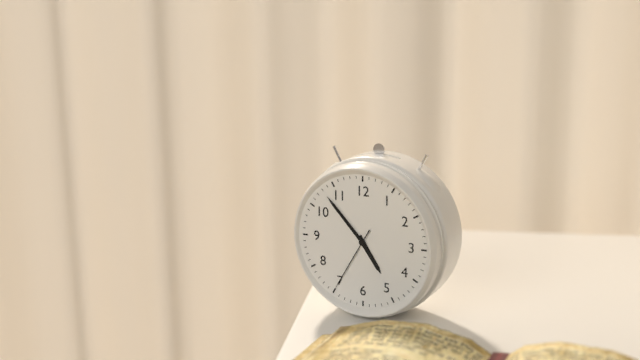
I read 4.53.35
